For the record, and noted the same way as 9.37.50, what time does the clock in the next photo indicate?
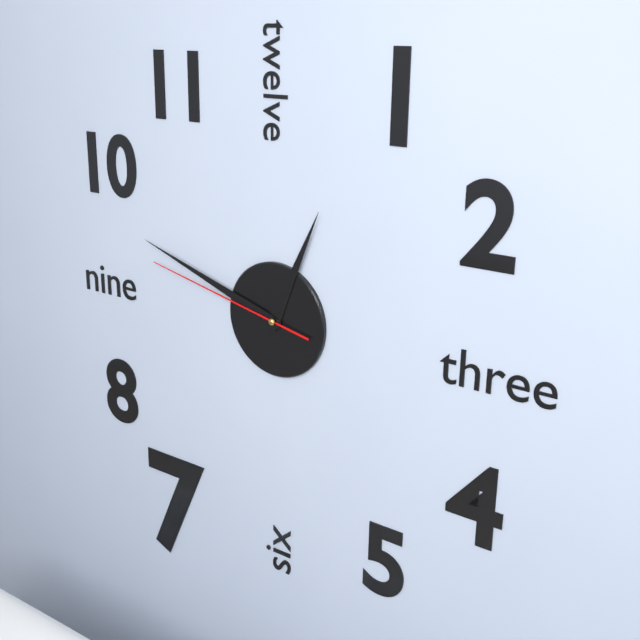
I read 12.48.47
